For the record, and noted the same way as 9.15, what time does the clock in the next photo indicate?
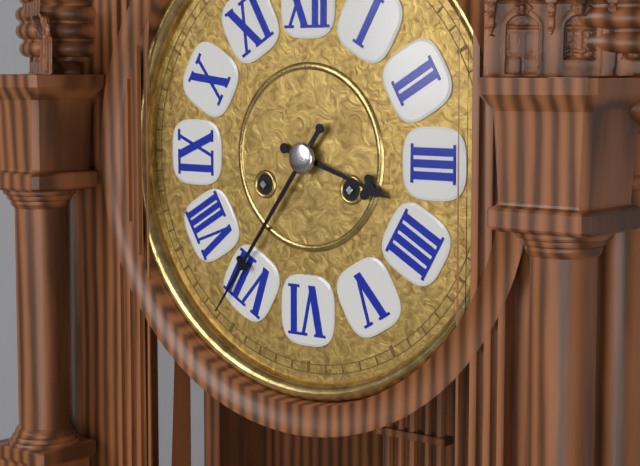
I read 3.36
